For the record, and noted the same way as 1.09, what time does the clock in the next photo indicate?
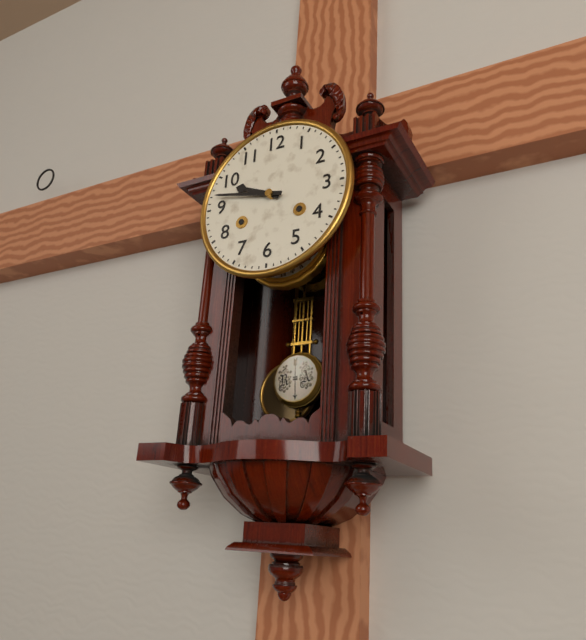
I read 9.47
